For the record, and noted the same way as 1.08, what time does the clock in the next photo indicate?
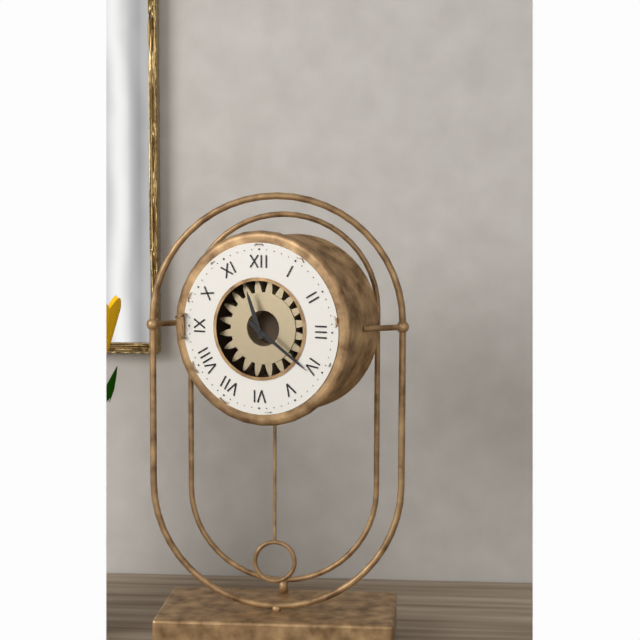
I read 11.21
